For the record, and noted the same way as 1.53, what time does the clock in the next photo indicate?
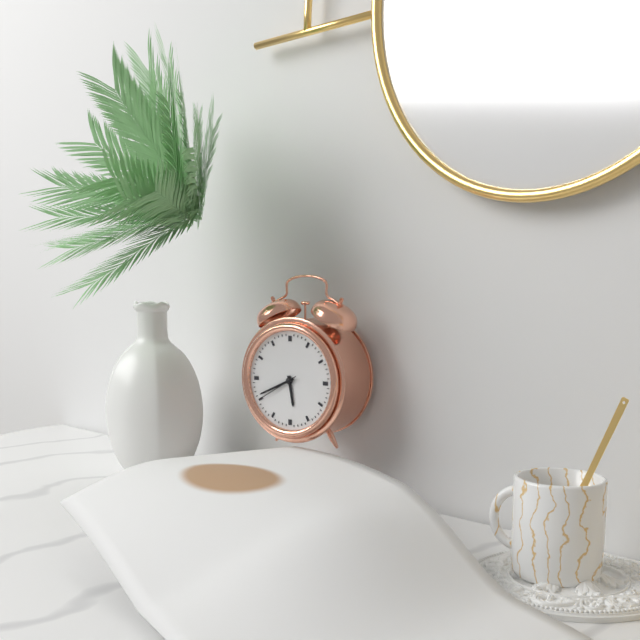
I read 5.41
